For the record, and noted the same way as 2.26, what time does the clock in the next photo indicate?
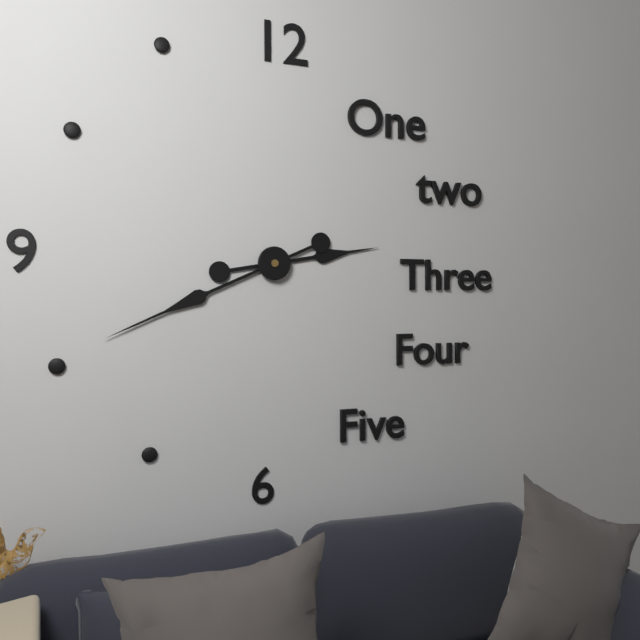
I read 2.41
